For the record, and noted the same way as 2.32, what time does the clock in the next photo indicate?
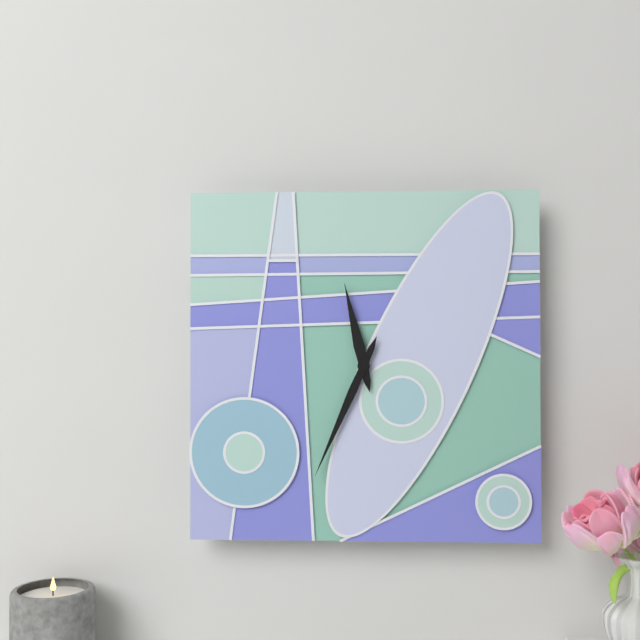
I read 11.34
